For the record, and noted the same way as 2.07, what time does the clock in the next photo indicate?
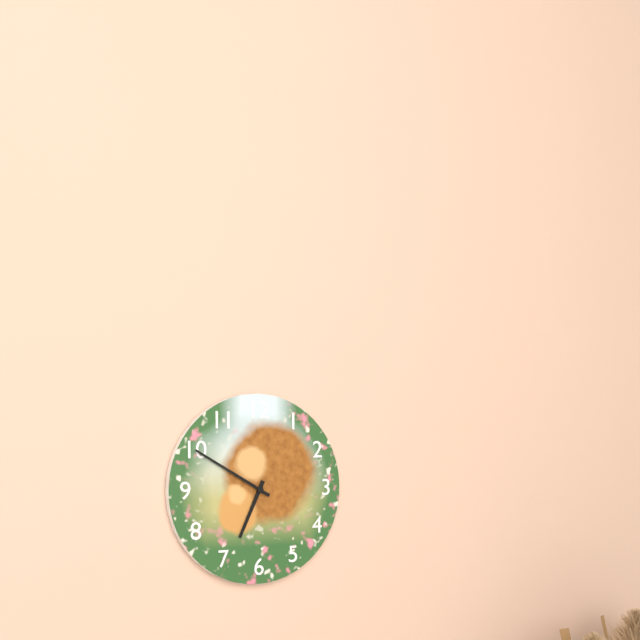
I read 6.50
